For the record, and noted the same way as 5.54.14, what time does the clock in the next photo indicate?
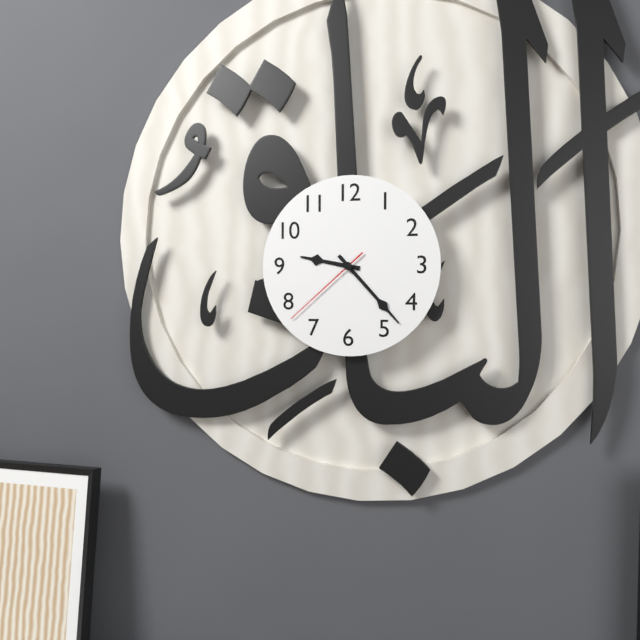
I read 9.23.38
